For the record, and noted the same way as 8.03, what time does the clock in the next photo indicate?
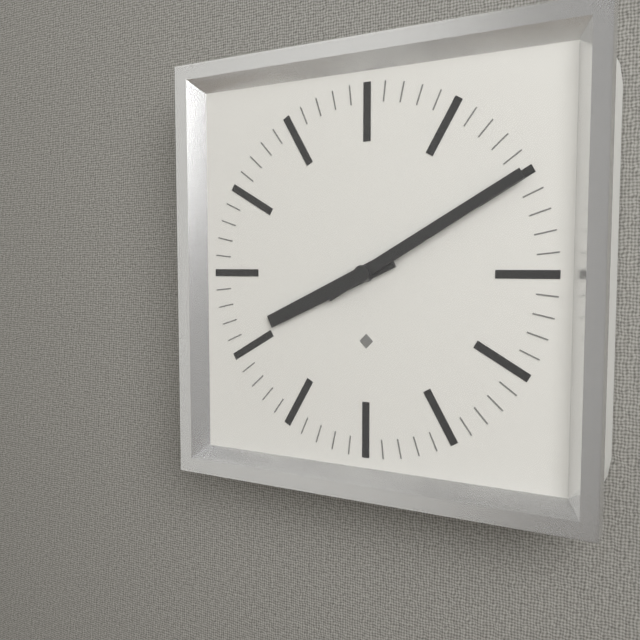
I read 8.10
